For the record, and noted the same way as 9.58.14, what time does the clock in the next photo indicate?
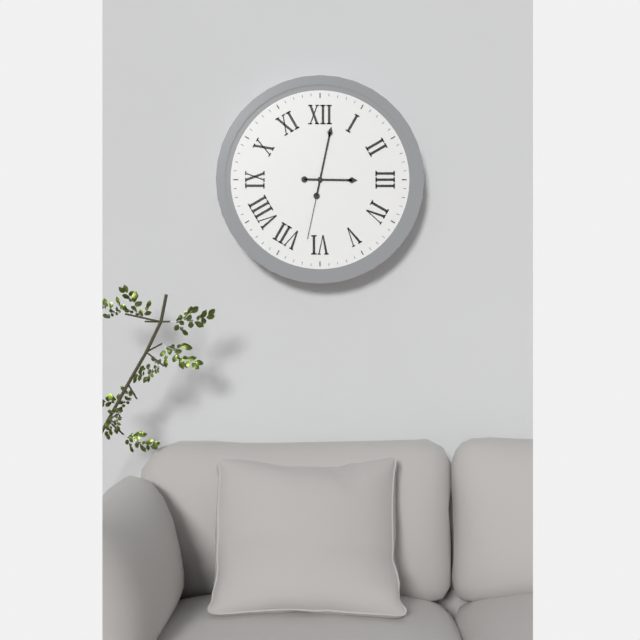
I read 3.02.32
